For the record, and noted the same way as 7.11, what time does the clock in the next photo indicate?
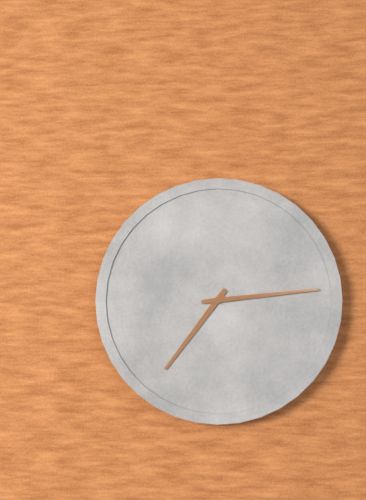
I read 7.14
